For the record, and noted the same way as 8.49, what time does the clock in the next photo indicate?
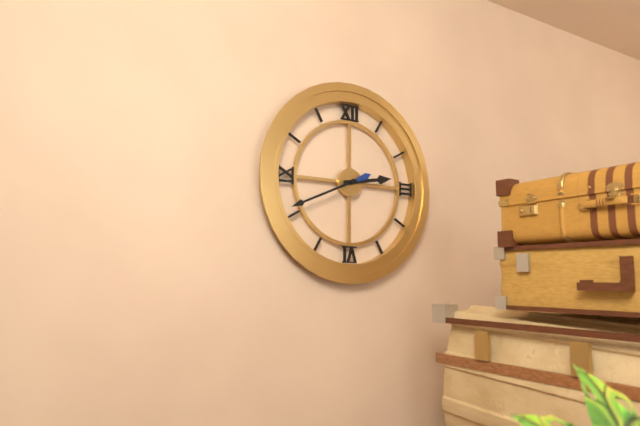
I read 2.41
